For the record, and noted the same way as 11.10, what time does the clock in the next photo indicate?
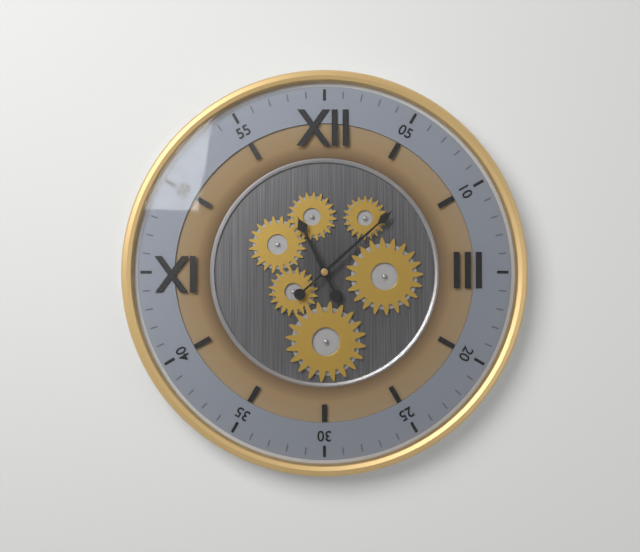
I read 11.08
